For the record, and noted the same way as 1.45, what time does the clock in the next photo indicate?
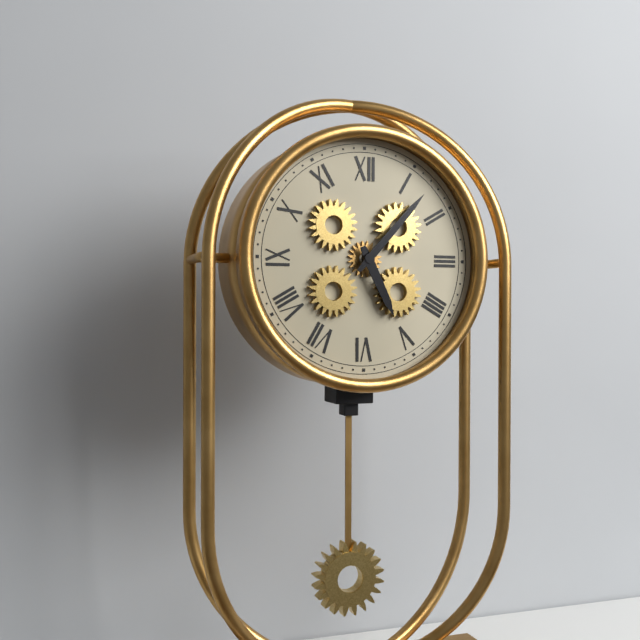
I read 5.07
